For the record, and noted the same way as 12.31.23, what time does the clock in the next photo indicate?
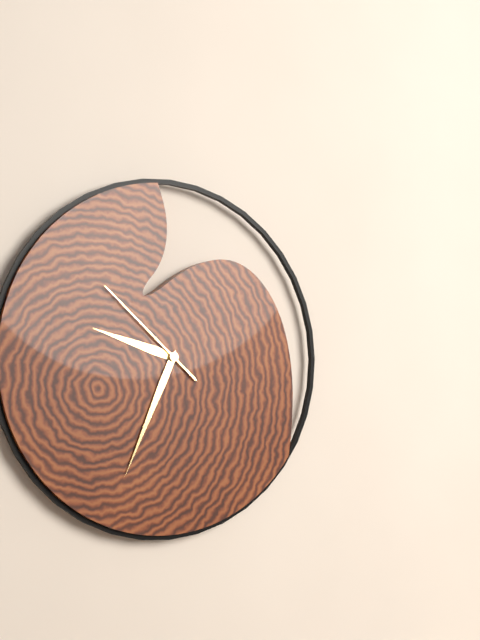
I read 9.34.52
